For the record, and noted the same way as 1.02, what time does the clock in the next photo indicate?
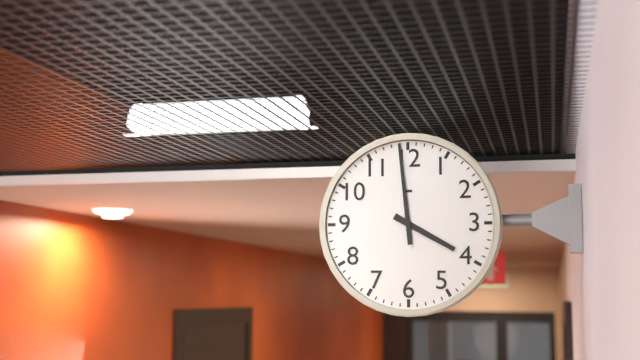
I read 3.59
